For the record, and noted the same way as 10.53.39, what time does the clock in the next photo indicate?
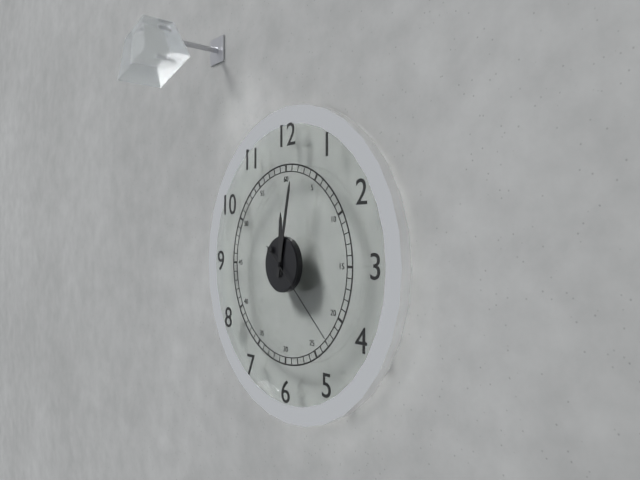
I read 12.02.22
